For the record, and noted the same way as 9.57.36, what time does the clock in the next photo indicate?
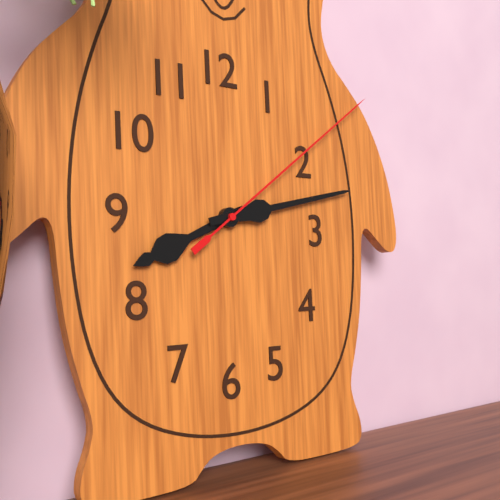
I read 8.13.09
